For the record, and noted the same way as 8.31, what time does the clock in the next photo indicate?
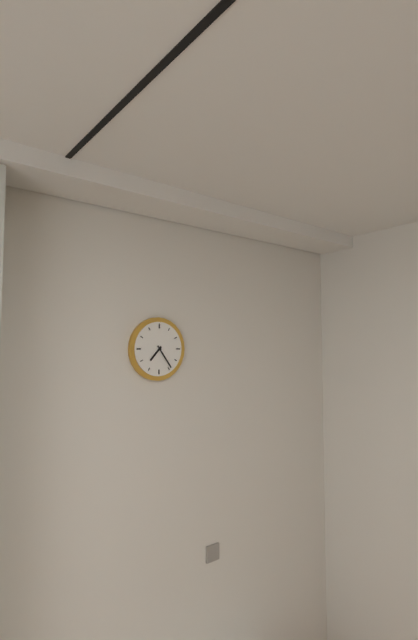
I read 7.24
